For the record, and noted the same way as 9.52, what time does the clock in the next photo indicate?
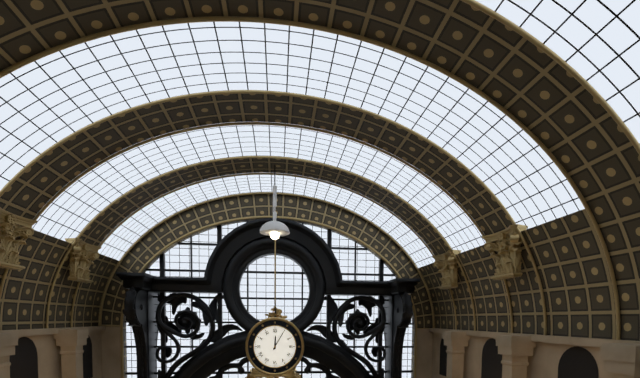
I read 12.05
